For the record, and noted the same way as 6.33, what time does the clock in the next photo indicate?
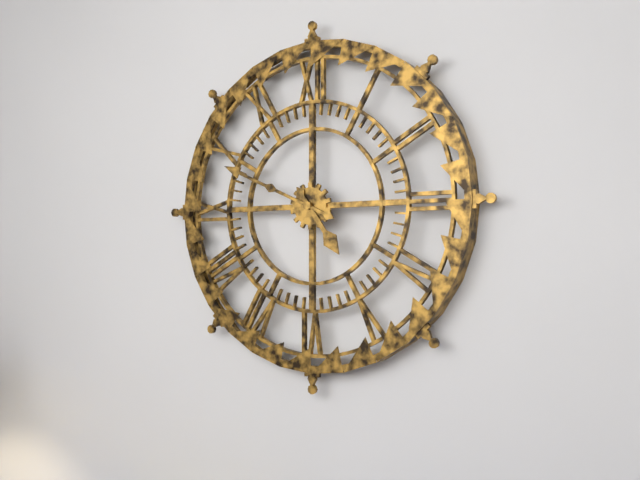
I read 4.49
